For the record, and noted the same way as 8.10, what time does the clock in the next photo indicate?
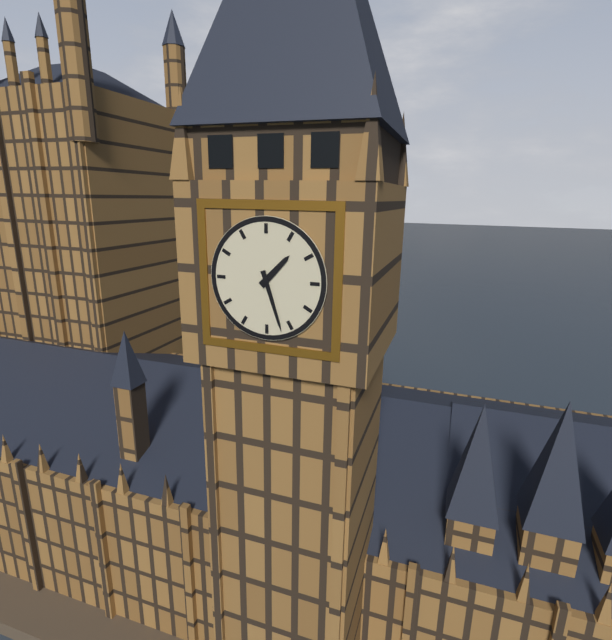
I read 1.27
